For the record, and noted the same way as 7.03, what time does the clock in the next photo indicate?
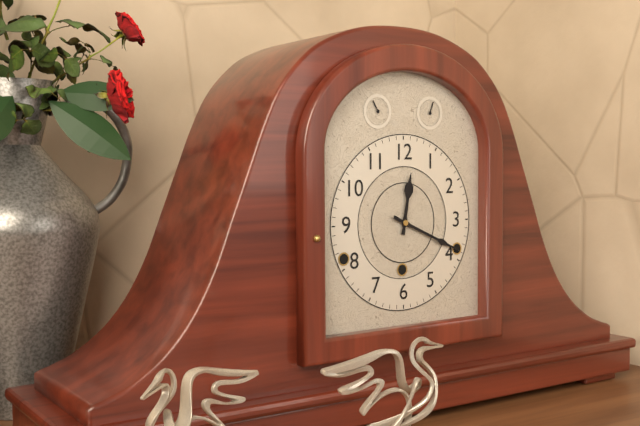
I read 12.19
